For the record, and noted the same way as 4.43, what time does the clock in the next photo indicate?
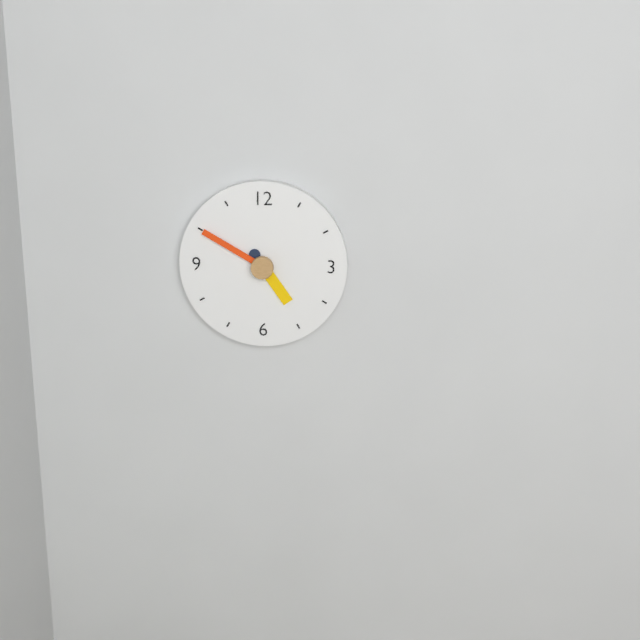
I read 4.50
